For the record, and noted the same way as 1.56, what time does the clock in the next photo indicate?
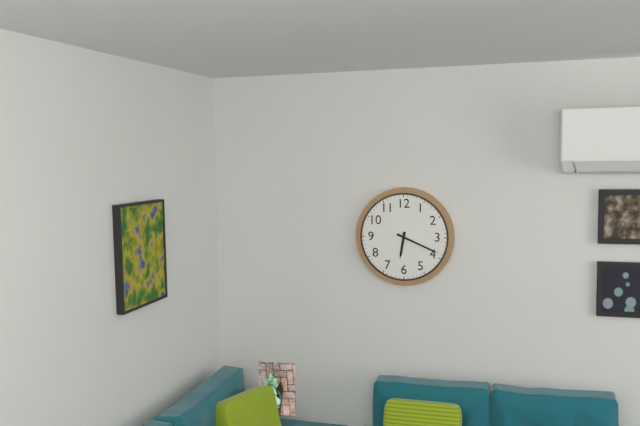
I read 6.19
